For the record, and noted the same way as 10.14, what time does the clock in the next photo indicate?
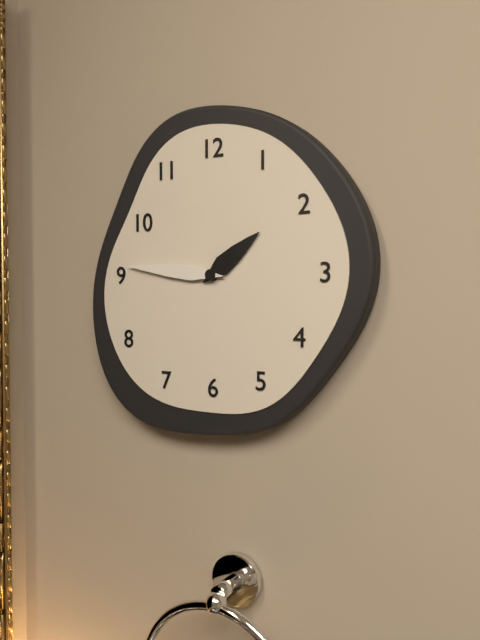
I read 1.46
